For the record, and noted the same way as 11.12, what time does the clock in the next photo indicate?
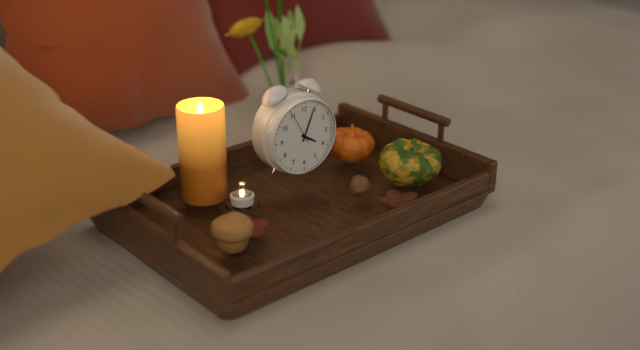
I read 4.04
